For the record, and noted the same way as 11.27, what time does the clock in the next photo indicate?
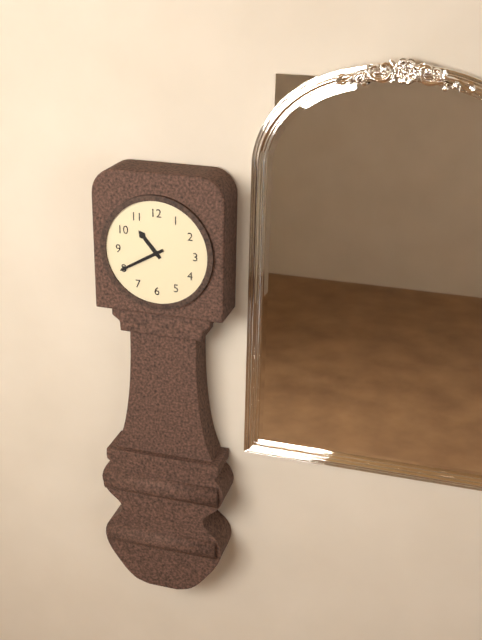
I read 10.40
